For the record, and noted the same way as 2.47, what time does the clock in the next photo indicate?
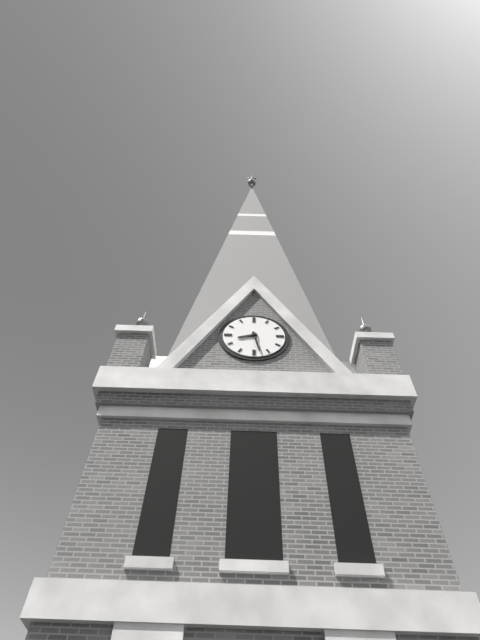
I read 8.28
